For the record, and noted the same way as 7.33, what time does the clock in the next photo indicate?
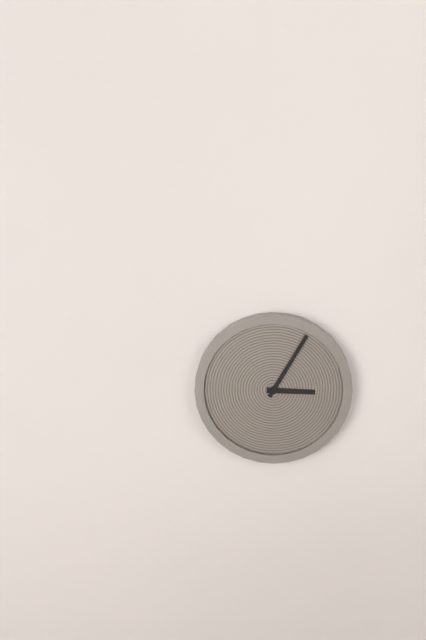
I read 3.05
